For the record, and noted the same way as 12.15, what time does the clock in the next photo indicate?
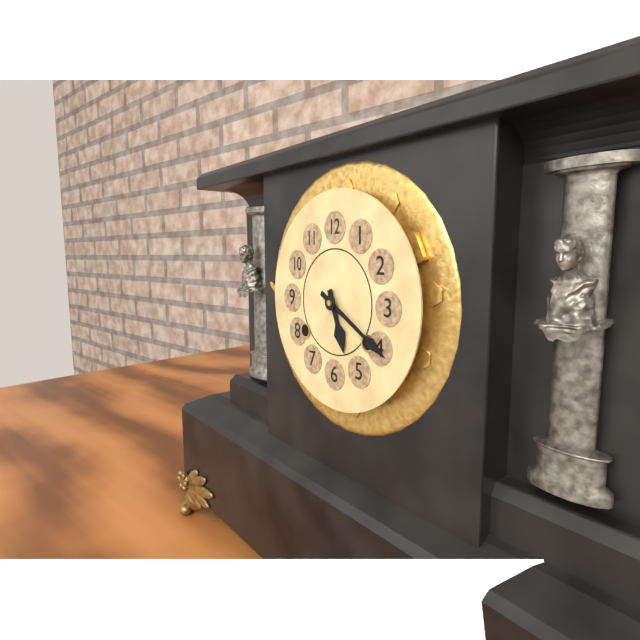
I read 5.20
